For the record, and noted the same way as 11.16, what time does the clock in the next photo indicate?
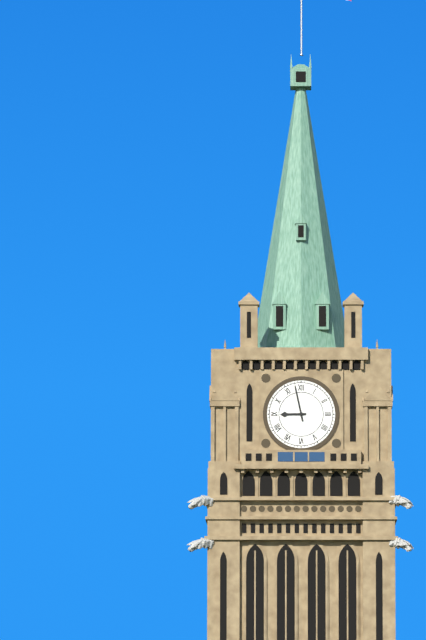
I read 8.58
